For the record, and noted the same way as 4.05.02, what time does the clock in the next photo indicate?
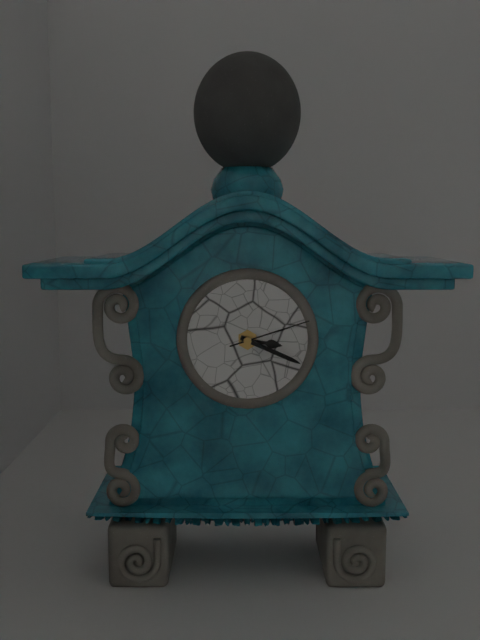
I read 3.19.12
